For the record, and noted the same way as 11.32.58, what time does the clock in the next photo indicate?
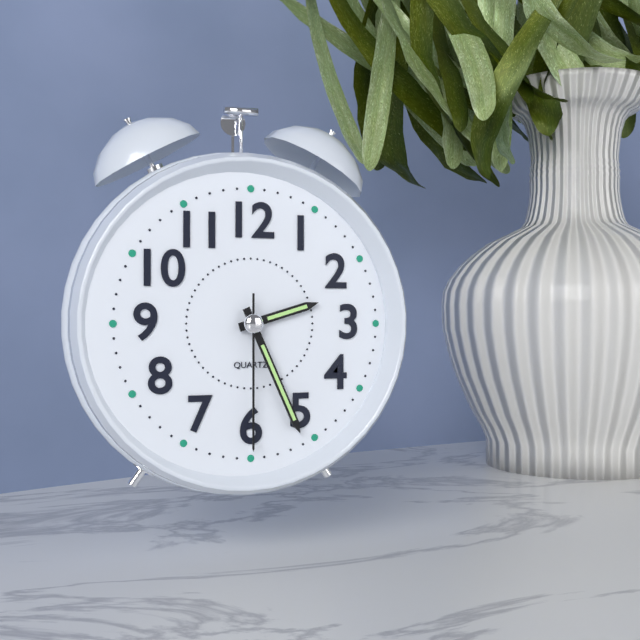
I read 2.26.30
